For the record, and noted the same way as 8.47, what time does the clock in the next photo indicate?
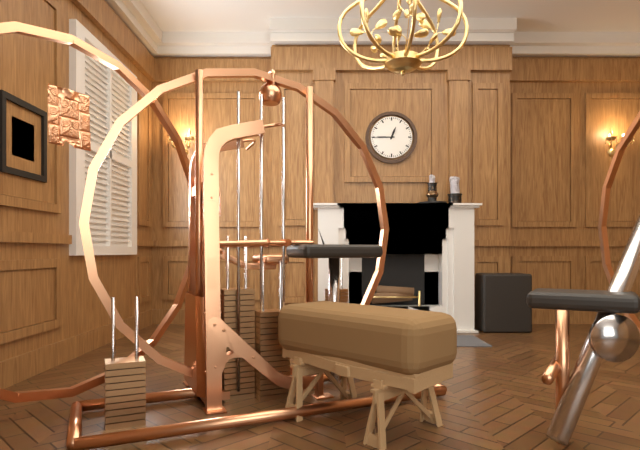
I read 12.45
